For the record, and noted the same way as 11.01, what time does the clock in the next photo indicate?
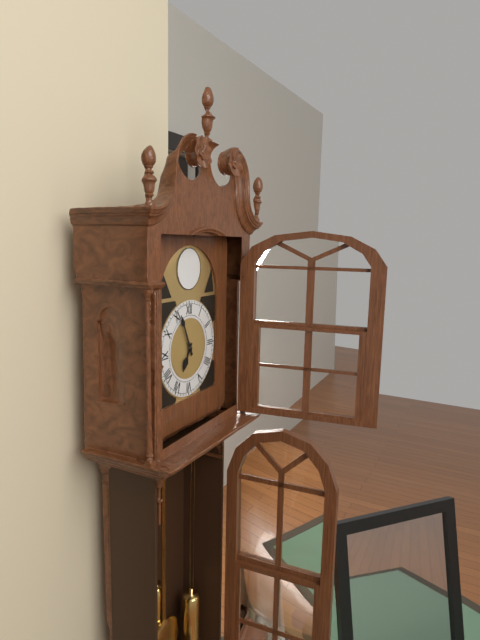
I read 6.56
